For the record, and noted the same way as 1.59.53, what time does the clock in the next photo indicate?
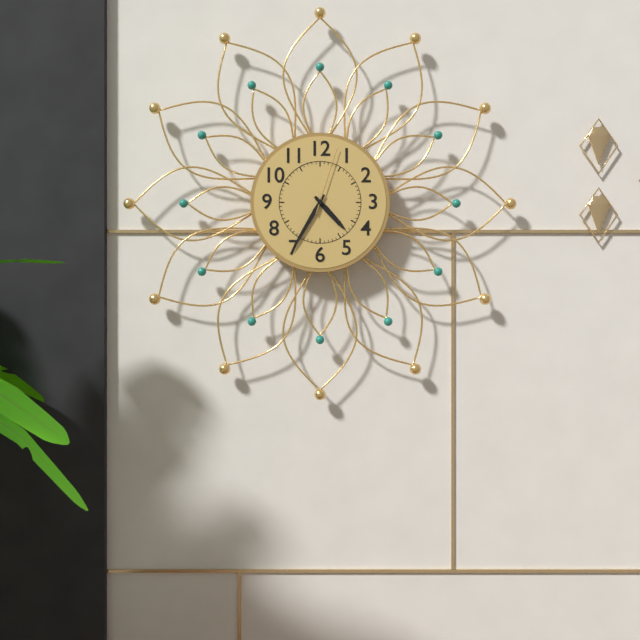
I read 4.35.03
